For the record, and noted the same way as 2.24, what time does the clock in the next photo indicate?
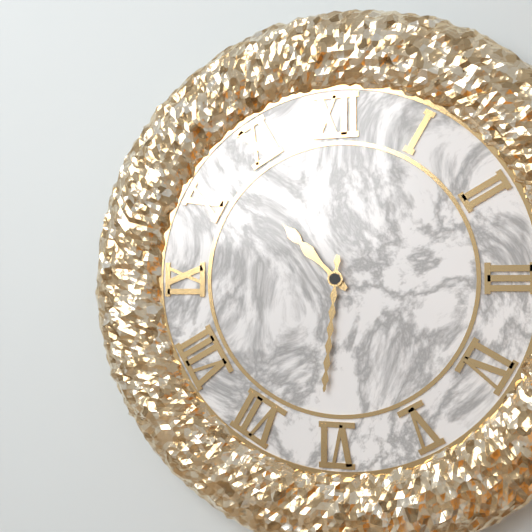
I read 10.31
